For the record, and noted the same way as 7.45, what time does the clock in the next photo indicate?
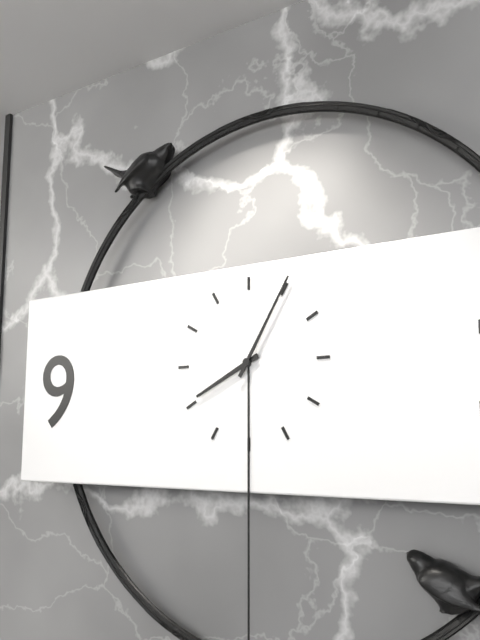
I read 8.05
